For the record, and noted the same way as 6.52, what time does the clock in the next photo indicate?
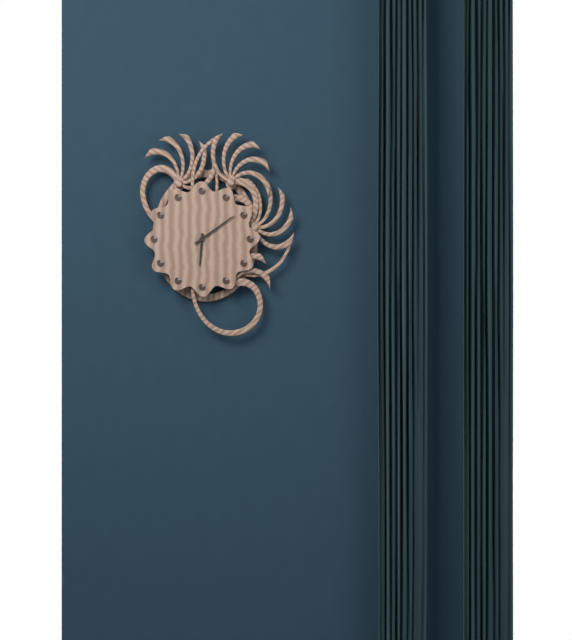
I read 6.09
